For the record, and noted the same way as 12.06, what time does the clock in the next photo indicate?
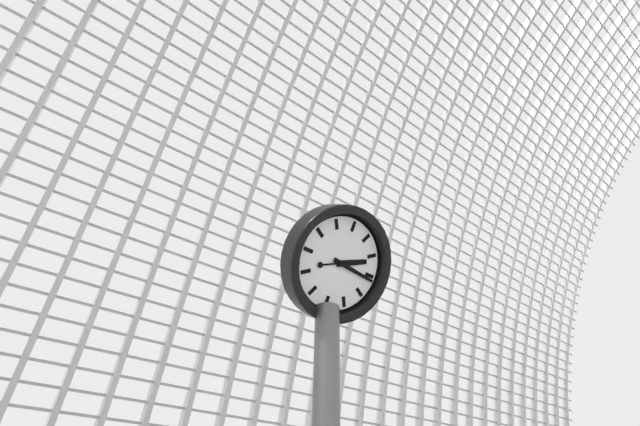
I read 2.16
